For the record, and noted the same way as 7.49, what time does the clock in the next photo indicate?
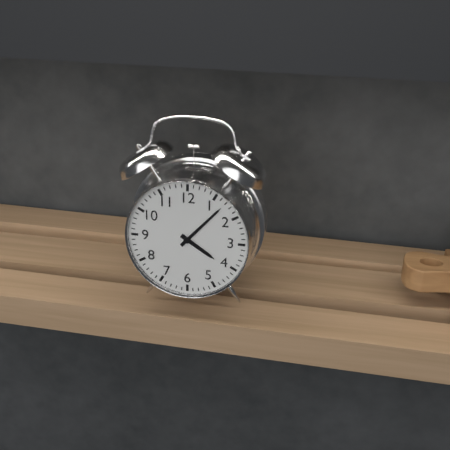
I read 4.07
